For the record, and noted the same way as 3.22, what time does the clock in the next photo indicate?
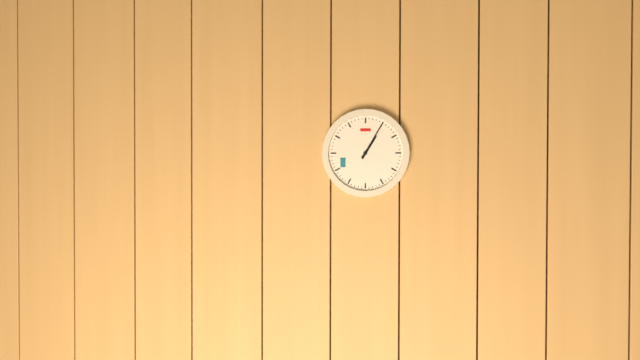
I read 1.05
